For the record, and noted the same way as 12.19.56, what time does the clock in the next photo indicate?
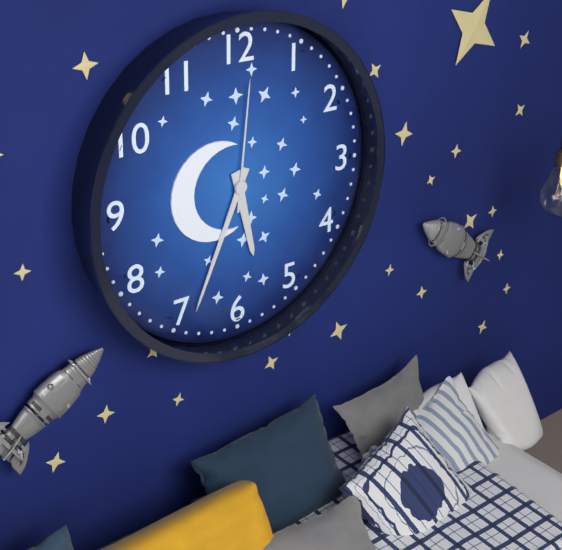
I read 5.34.01
